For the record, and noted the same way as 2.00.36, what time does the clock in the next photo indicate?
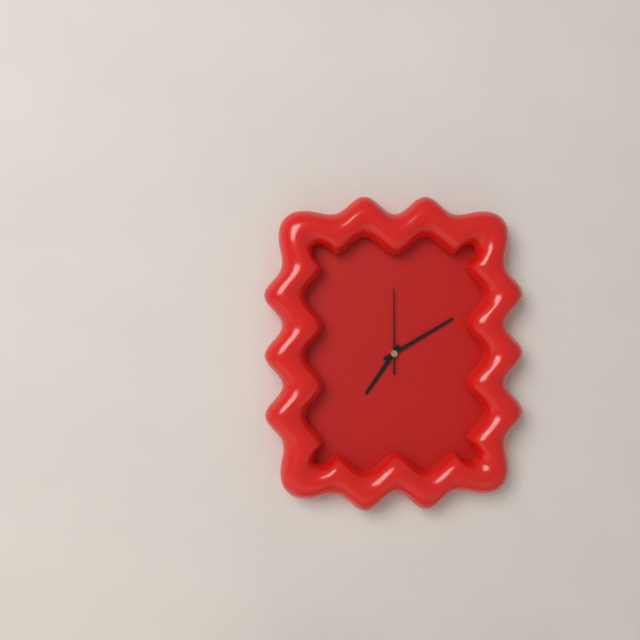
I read 7.10.00
